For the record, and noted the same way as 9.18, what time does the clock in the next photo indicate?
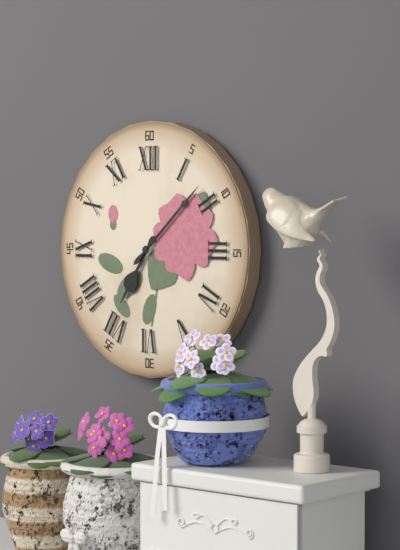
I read 7.08
